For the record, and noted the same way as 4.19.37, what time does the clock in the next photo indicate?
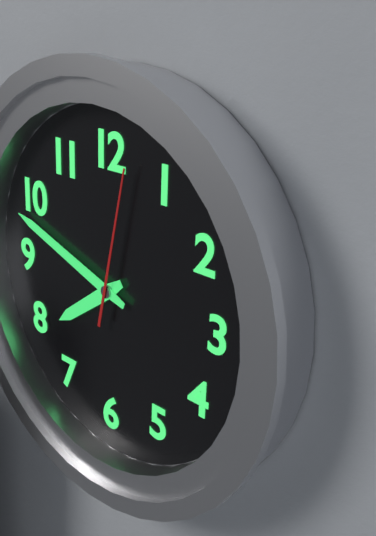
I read 7.48.02
